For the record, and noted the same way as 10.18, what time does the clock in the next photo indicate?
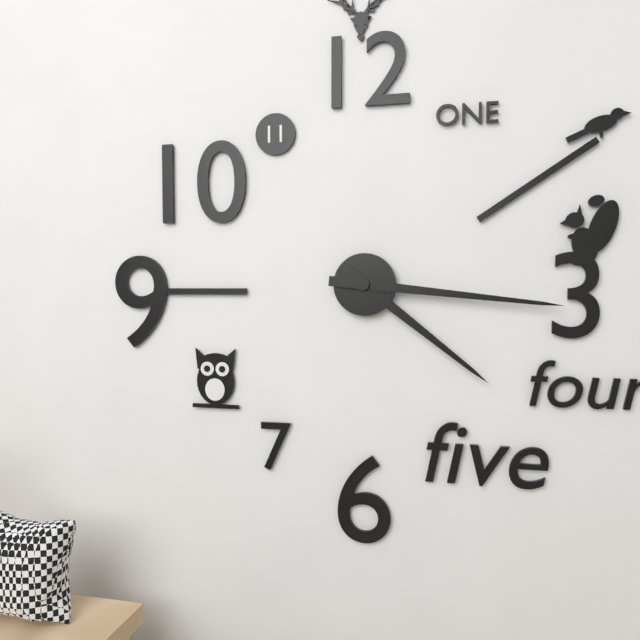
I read 4.16
